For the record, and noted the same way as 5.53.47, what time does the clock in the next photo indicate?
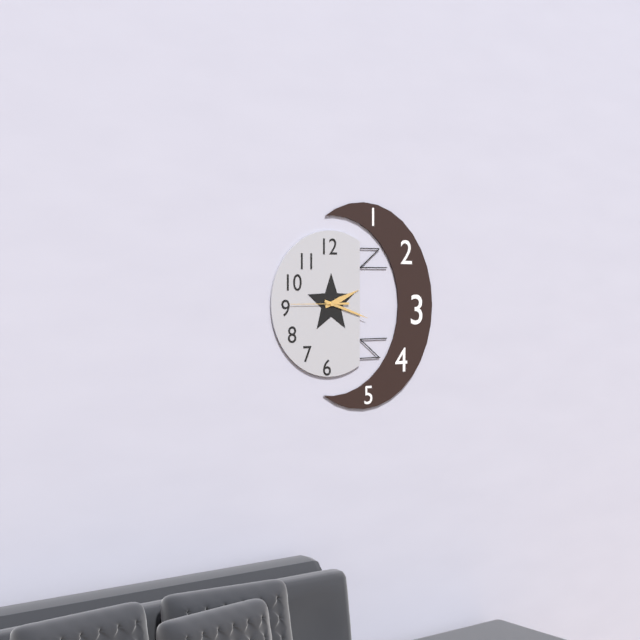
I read 2.18.45
